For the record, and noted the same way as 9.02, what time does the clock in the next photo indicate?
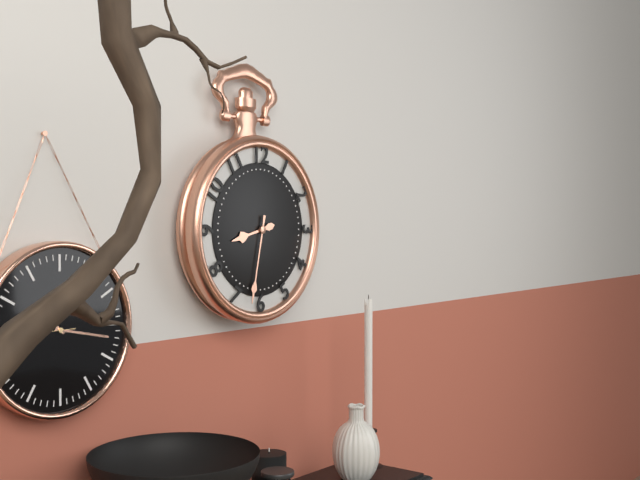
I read 8.32
